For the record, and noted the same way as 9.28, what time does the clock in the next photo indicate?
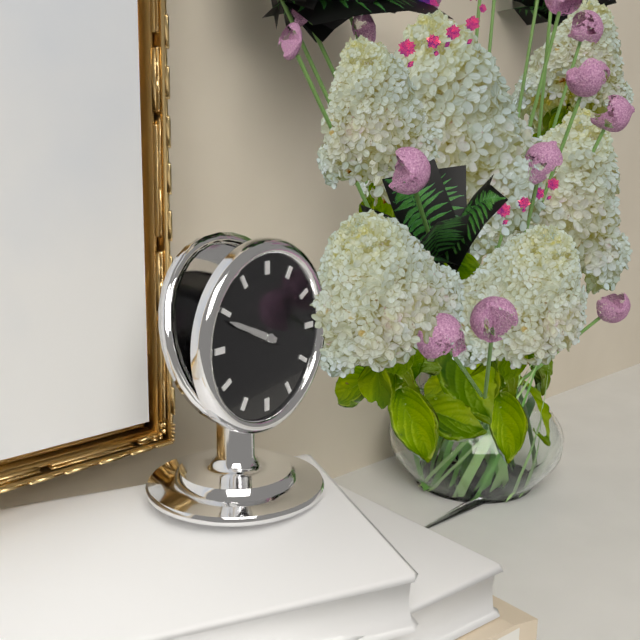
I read 9.49
